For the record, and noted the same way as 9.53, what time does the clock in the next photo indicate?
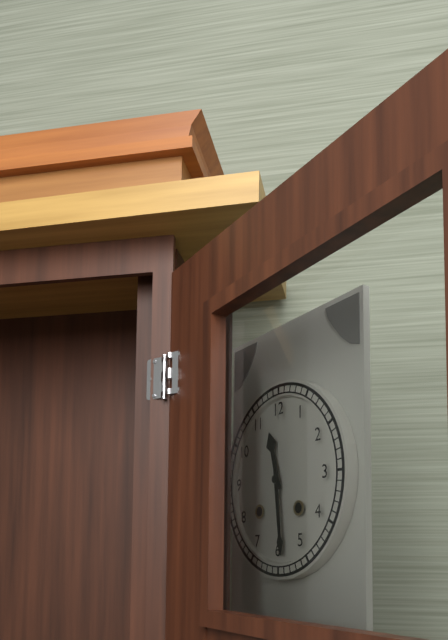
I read 11.29
